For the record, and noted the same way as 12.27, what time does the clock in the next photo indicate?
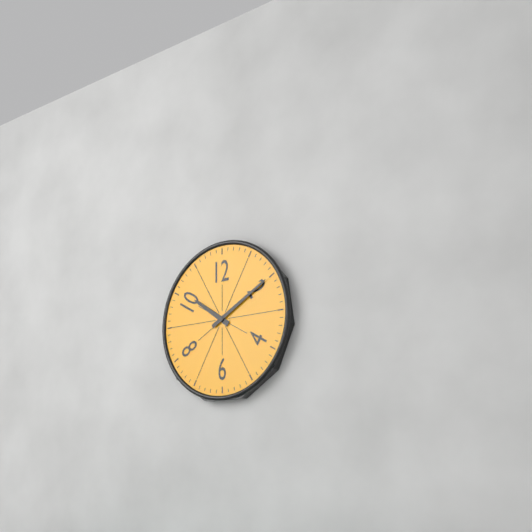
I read 10.10
